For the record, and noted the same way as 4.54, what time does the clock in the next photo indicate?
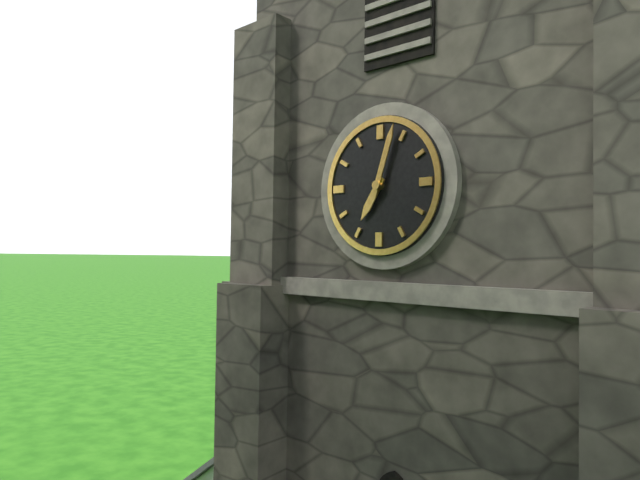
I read 7.03
